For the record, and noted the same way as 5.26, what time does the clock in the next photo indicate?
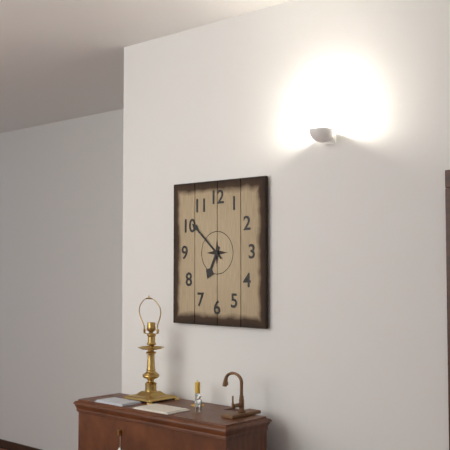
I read 6.52
